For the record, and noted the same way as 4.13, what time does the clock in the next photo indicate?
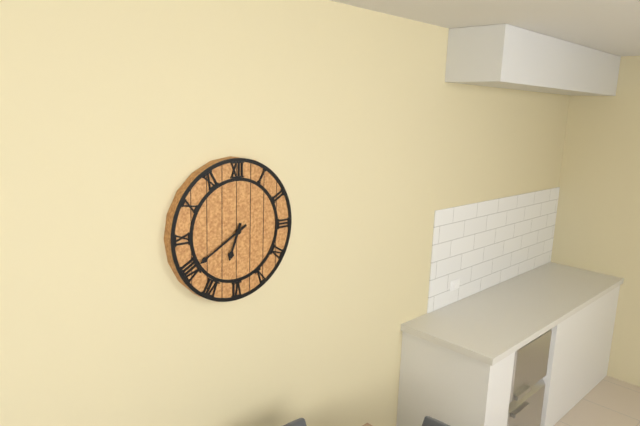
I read 6.40
